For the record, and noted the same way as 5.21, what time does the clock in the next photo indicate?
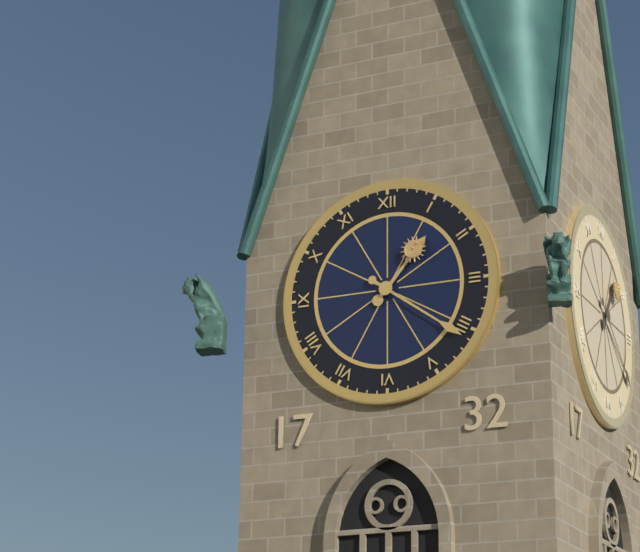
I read 1.21
